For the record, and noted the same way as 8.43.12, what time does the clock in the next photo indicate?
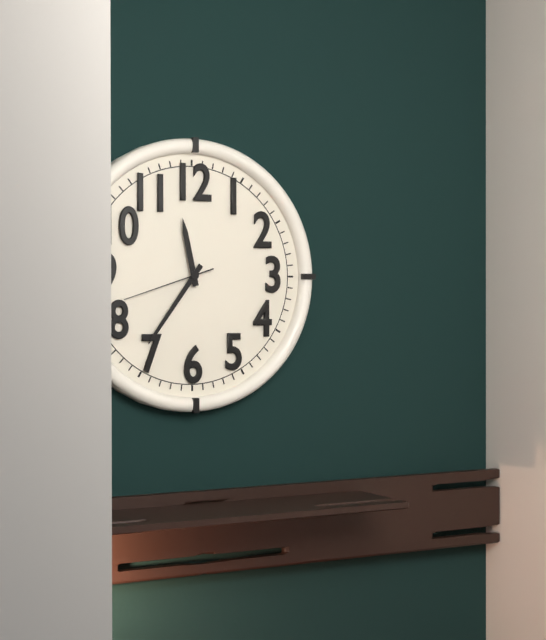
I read 11.36.42
